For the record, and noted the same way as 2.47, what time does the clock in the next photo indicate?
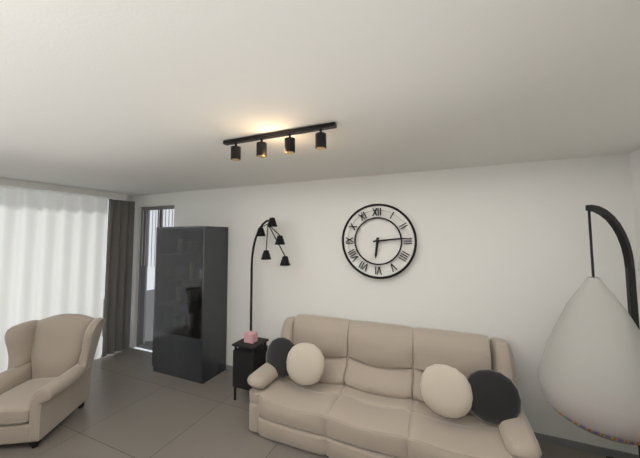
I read 6.14
